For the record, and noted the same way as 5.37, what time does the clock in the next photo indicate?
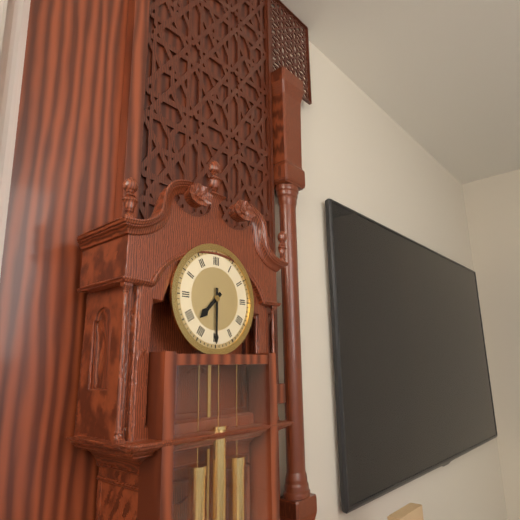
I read 7.30
